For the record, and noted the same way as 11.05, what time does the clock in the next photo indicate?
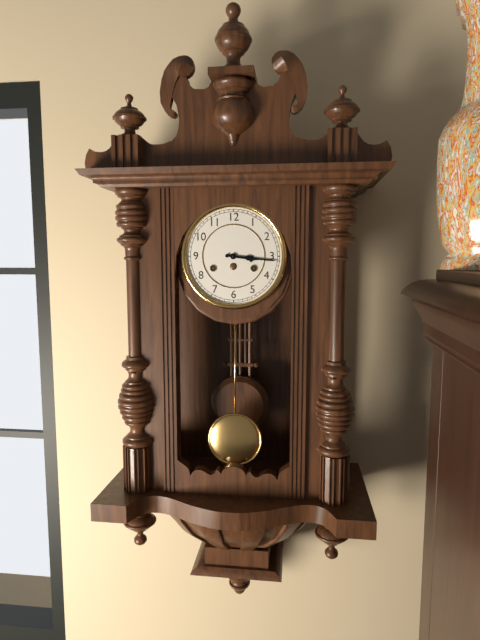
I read 3.16
